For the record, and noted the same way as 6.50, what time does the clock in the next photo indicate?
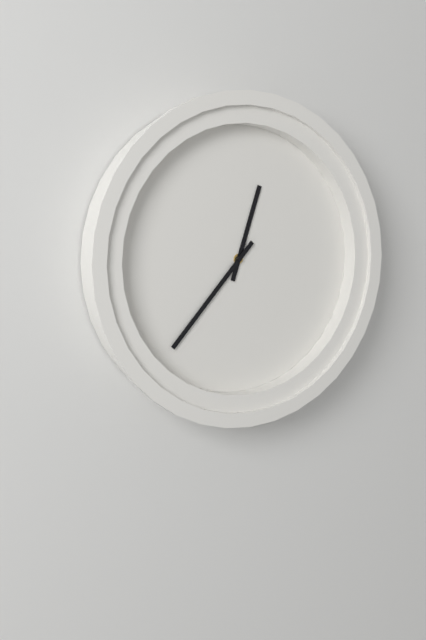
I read 12.37
